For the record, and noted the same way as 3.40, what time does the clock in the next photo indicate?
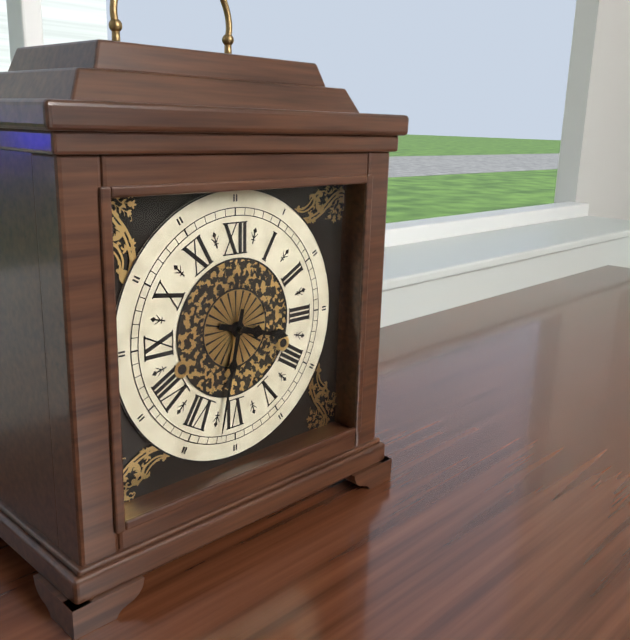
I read 3.32
